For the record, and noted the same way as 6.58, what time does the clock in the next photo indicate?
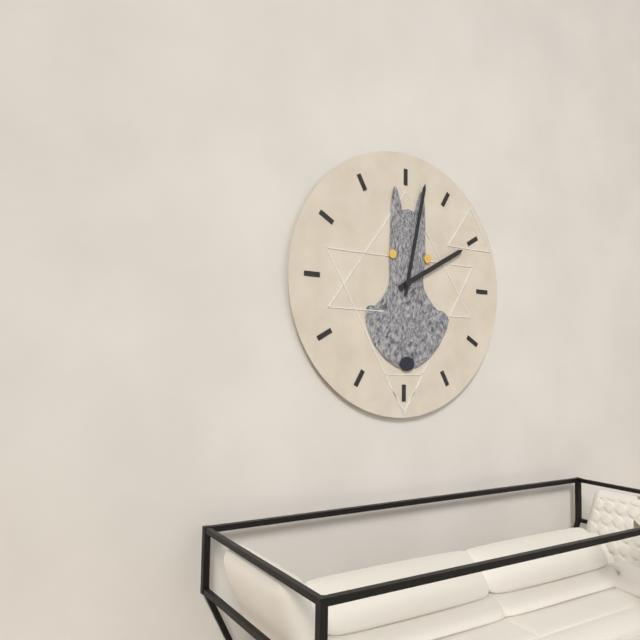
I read 2.02
